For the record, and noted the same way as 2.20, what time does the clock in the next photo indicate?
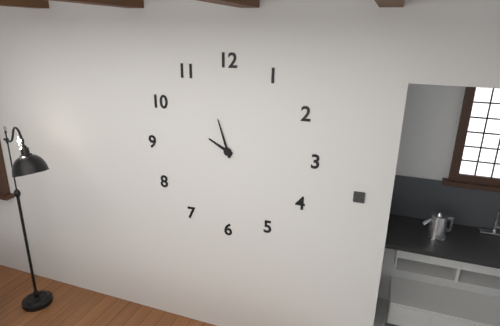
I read 9.57
